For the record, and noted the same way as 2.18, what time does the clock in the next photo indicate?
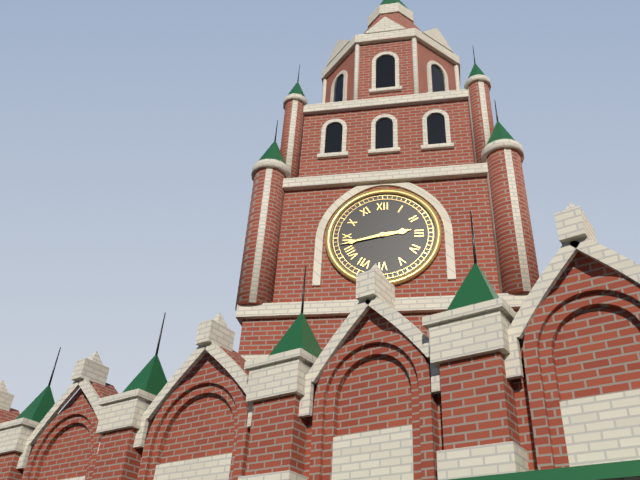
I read 2.43
